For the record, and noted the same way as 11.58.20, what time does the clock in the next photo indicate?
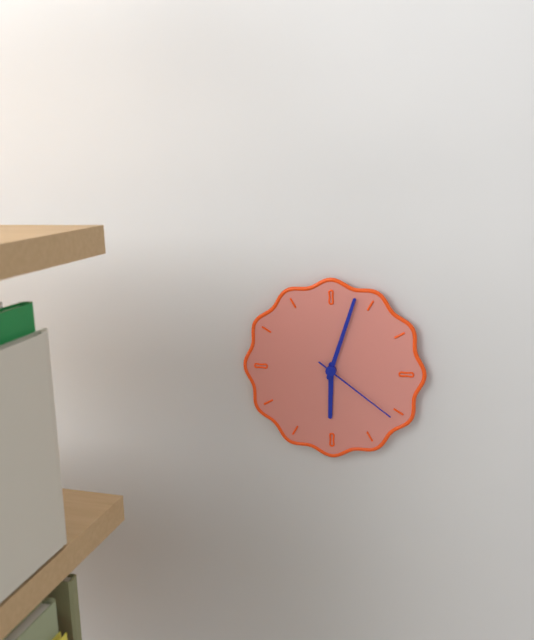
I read 6.03.21
